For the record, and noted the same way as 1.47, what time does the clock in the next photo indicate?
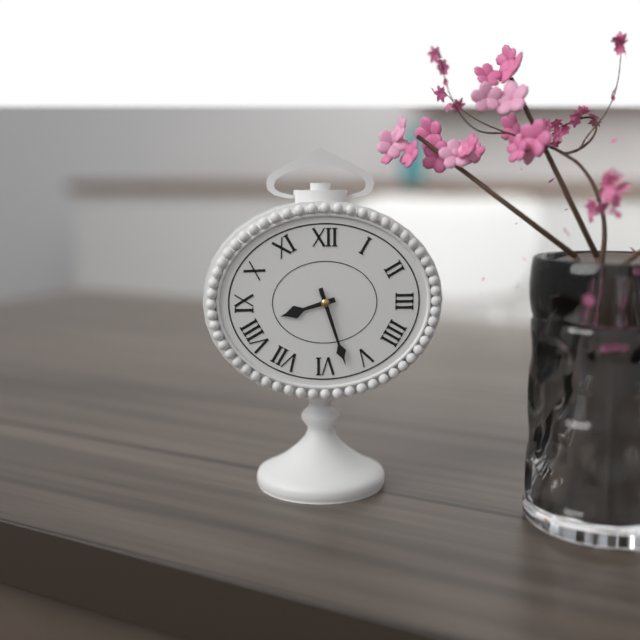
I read 8.27
